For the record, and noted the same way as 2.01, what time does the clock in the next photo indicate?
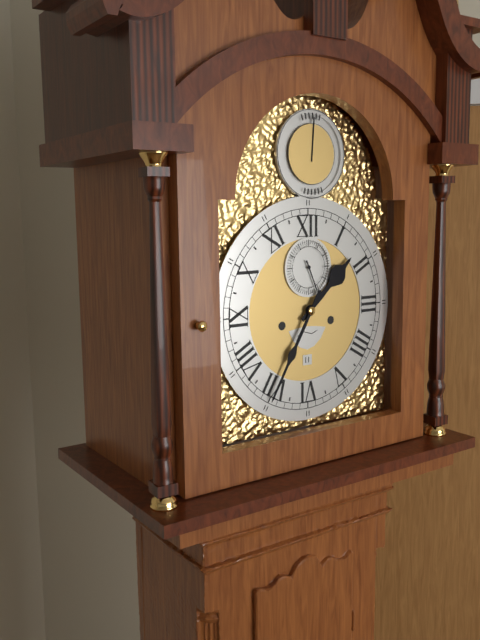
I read 1.35
